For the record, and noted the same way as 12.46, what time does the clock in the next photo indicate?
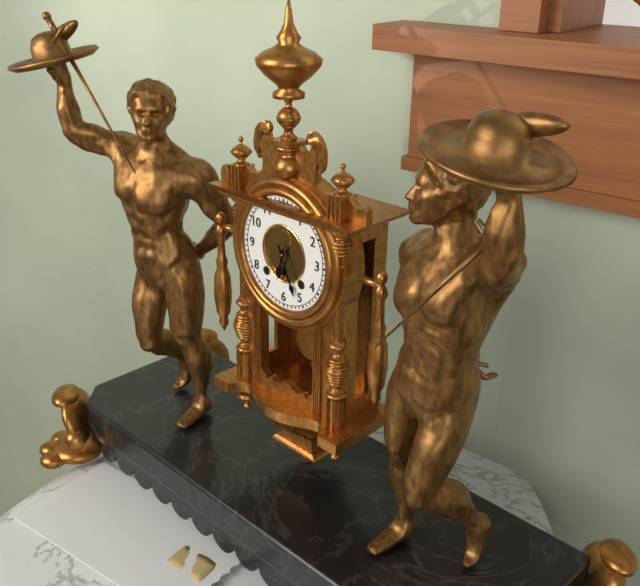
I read 6.26
